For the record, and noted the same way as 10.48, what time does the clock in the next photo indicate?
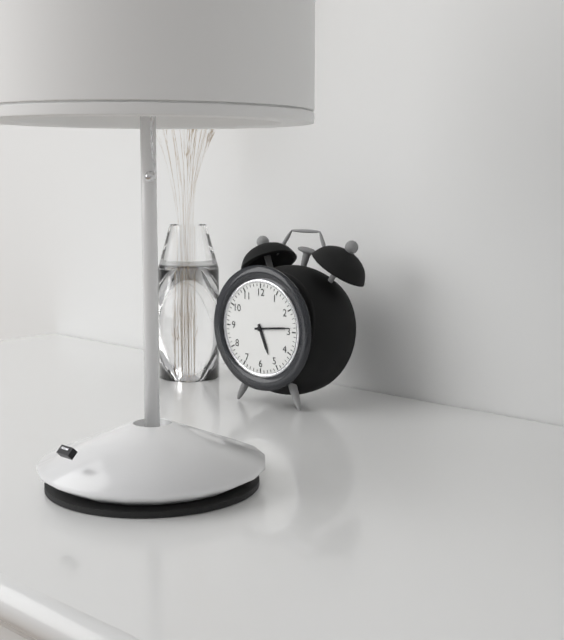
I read 5.14
